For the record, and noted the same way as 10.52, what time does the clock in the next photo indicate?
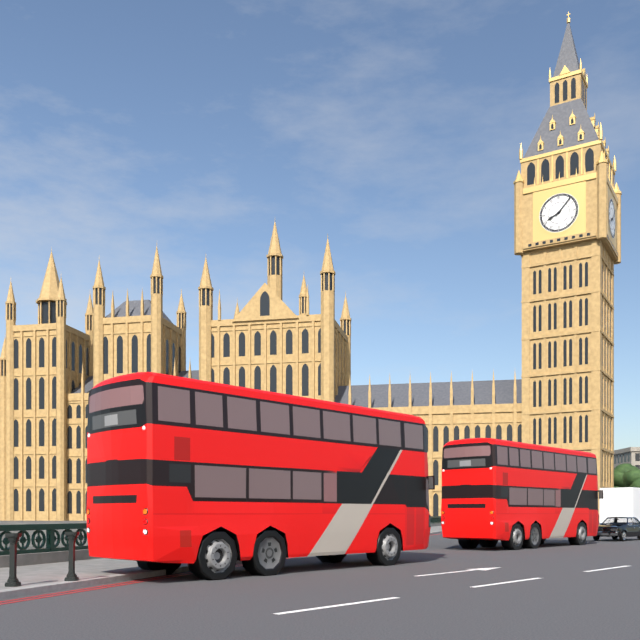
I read 8.07
